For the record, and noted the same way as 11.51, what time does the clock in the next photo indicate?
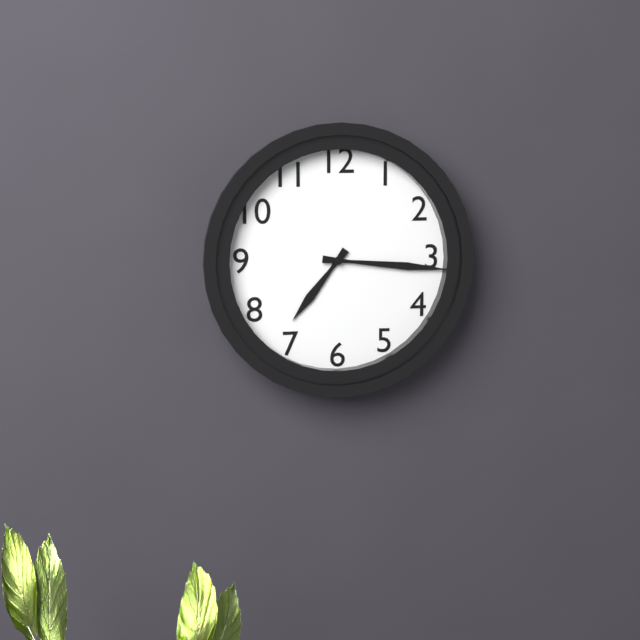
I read 7.16
